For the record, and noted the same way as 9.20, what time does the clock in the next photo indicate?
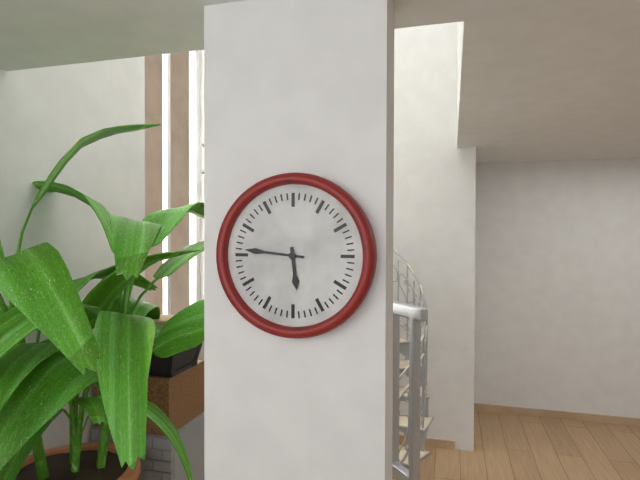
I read 5.46
